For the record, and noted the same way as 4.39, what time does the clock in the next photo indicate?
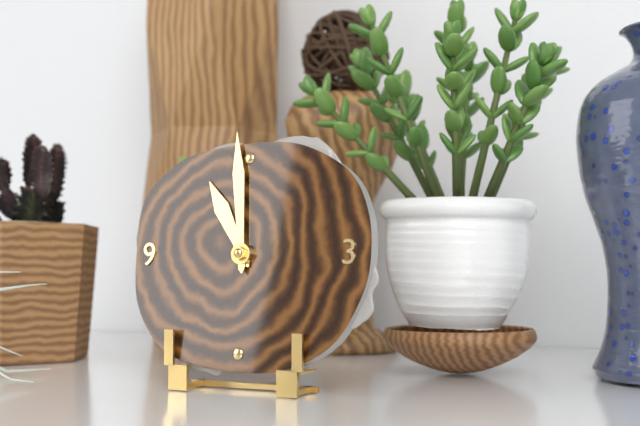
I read 10.59
